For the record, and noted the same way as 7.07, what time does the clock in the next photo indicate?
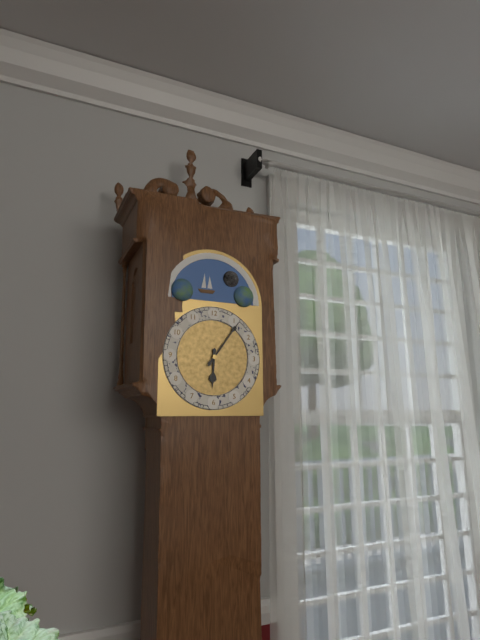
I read 6.06
